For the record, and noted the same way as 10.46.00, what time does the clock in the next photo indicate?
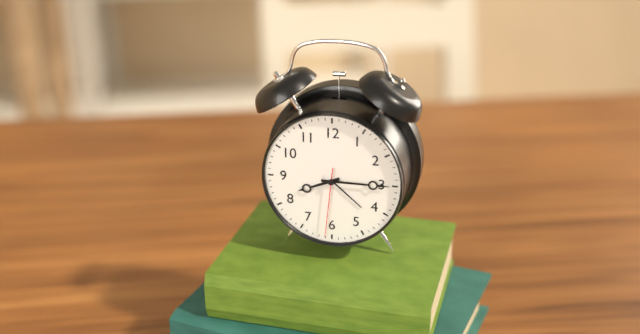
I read 8.15.31
